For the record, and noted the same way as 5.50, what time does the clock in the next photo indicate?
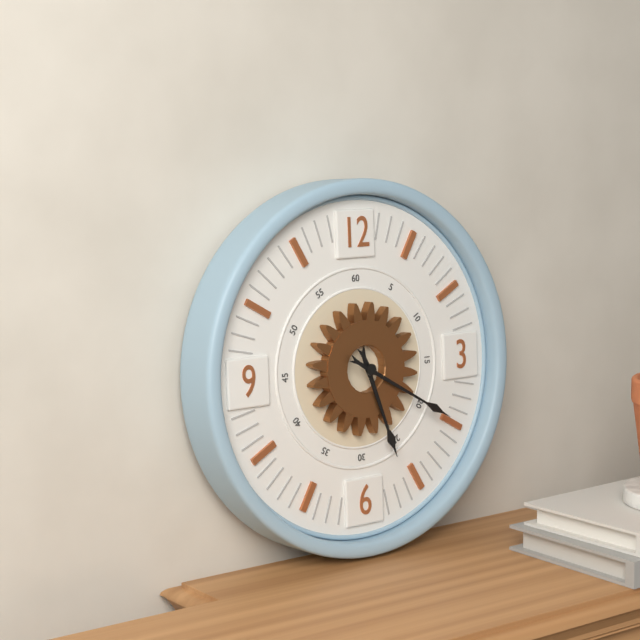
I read 5.20
